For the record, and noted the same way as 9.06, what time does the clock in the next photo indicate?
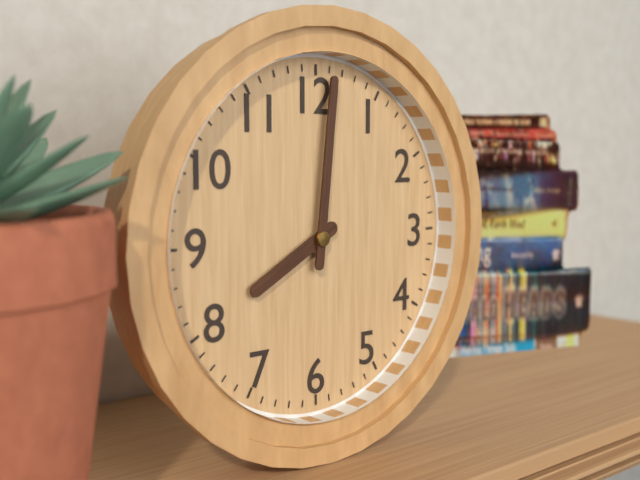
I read 8.01
